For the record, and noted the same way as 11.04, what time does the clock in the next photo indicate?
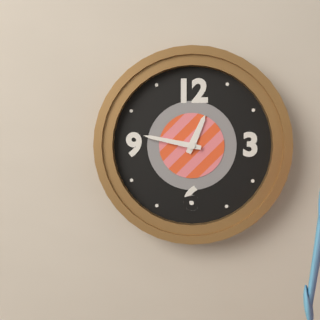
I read 12.47
